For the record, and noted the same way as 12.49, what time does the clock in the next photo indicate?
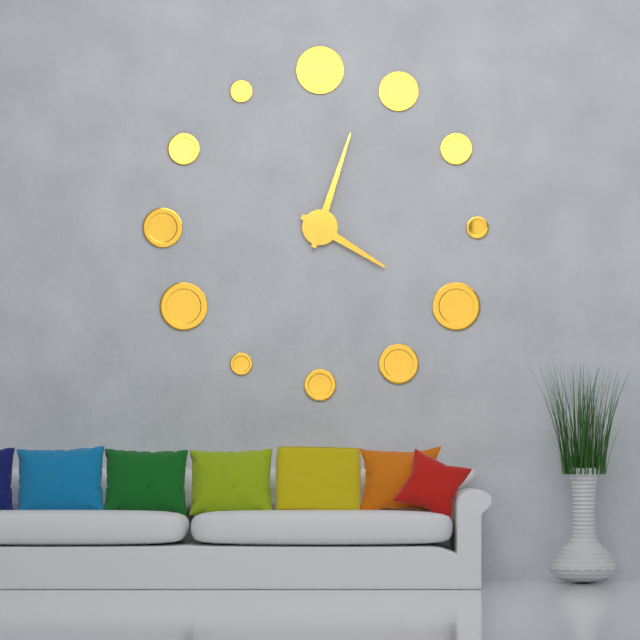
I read 4.03
